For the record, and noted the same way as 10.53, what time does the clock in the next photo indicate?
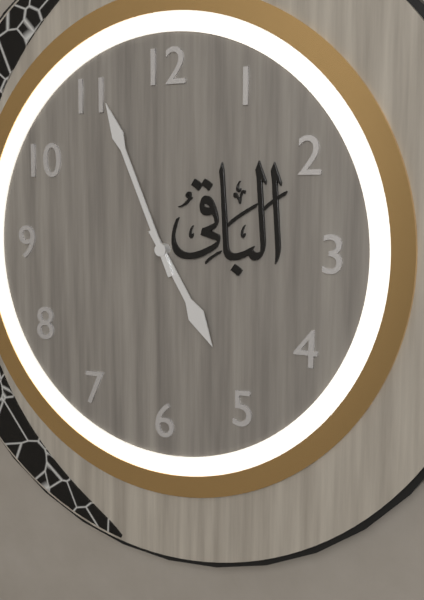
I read 4.56
